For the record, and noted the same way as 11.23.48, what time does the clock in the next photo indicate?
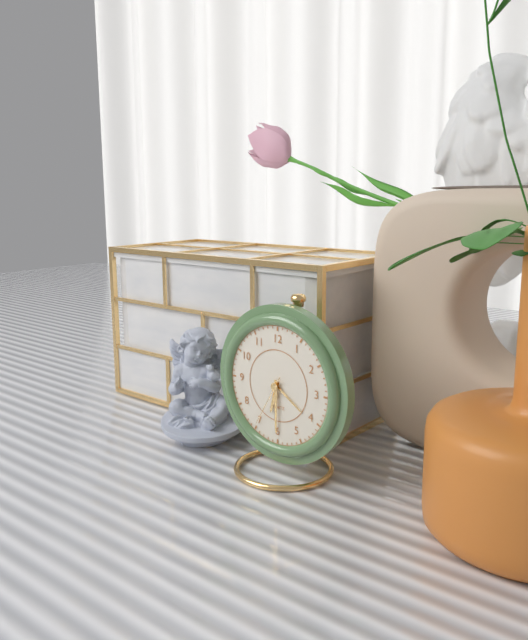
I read 6.30.35
